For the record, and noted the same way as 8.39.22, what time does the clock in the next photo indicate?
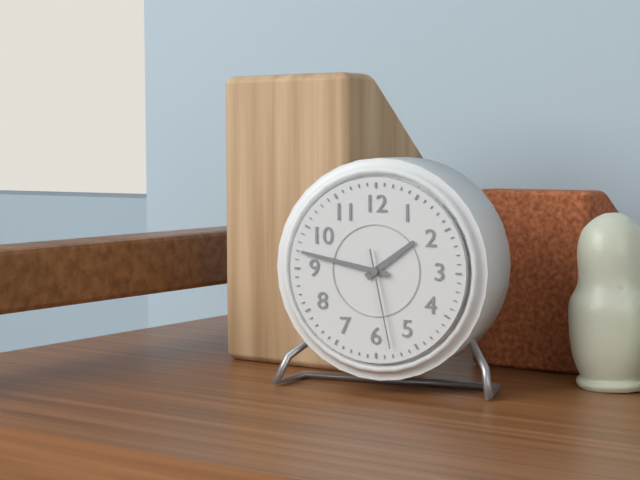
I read 1.47.28
